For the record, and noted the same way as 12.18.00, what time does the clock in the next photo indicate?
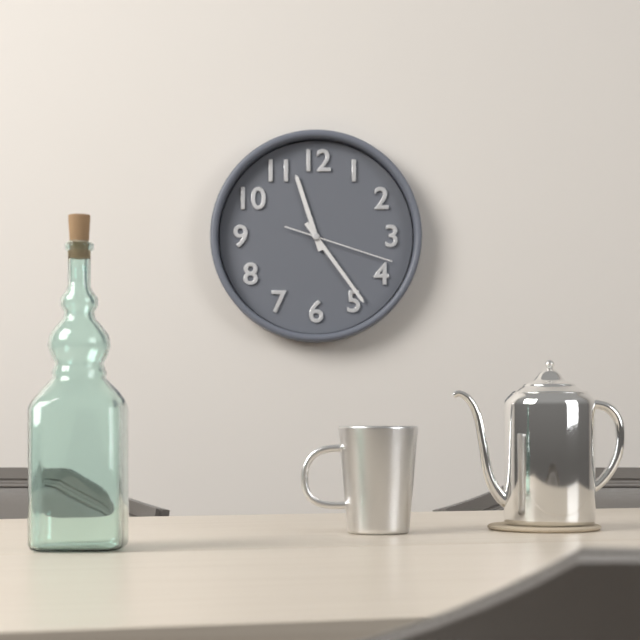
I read 11.24.18
